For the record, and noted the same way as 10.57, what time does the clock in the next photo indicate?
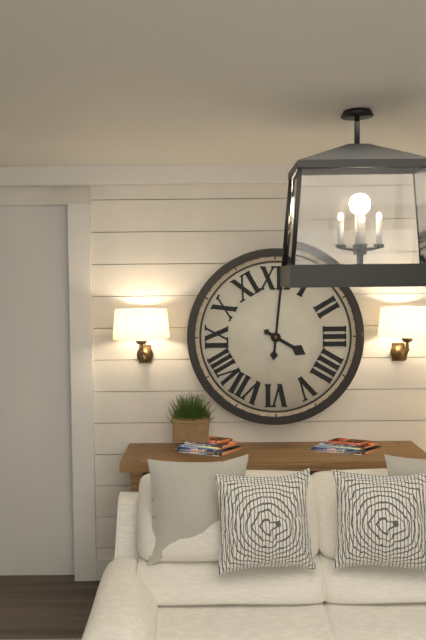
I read 4.01
